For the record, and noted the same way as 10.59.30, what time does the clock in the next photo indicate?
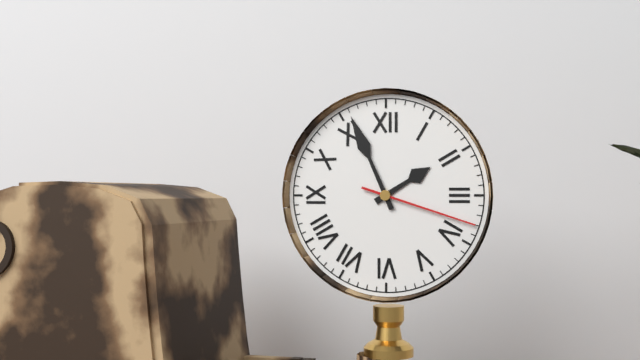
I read 1.56.18
